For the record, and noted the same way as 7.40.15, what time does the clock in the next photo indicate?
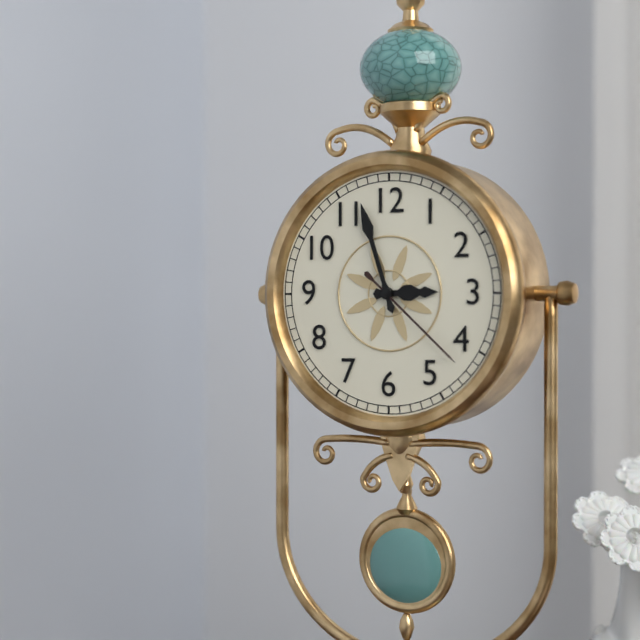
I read 2.57.22
